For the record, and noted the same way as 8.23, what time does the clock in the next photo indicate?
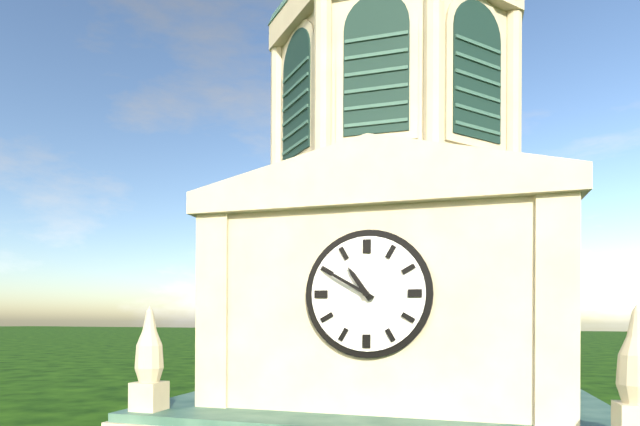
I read 10.50
